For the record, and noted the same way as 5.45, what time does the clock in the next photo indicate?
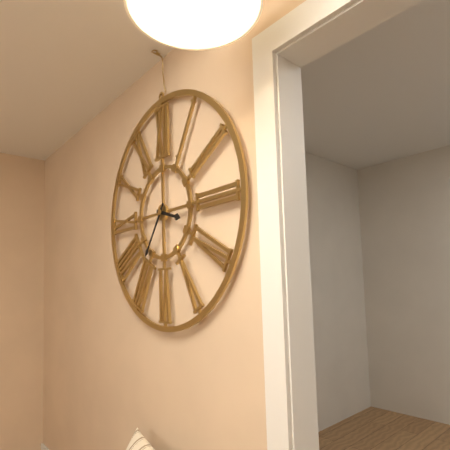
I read 3.36
